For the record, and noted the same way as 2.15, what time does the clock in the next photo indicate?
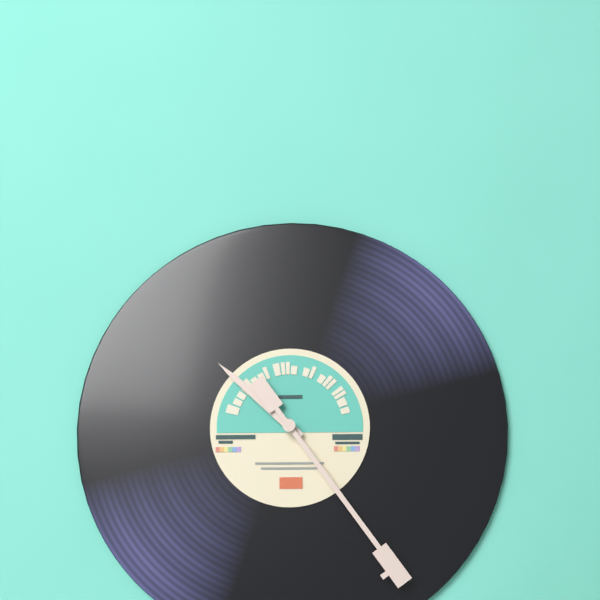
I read 10.24
